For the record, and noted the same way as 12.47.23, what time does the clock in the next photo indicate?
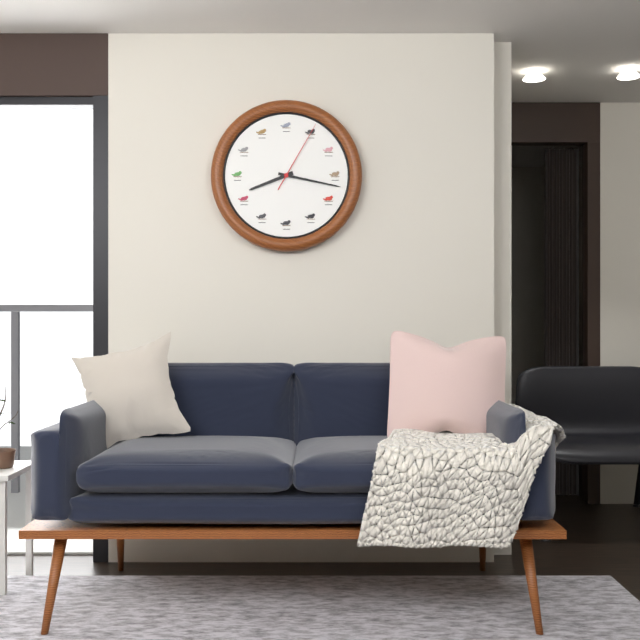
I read 8.17.05
